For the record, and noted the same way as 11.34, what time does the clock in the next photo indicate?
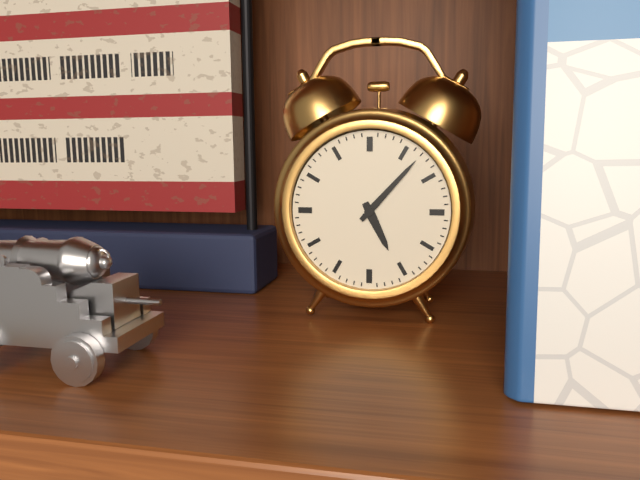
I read 5.07
